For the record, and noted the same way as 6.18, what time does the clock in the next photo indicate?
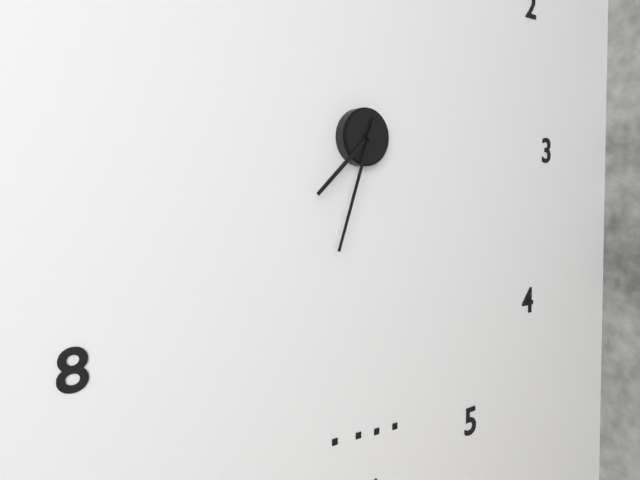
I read 7.33
